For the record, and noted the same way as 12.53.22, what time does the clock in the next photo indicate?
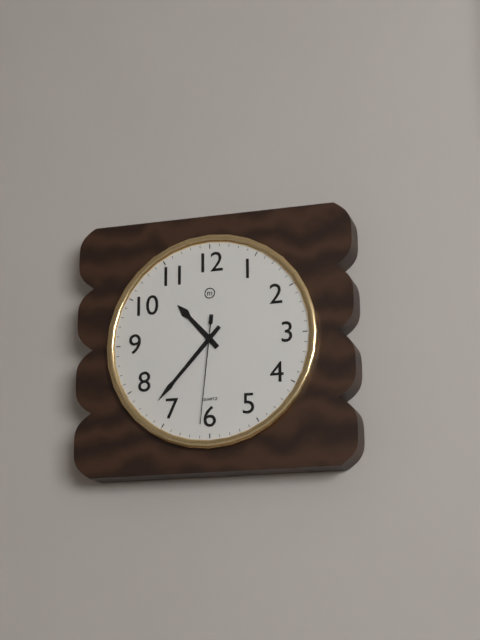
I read 10.37.31
